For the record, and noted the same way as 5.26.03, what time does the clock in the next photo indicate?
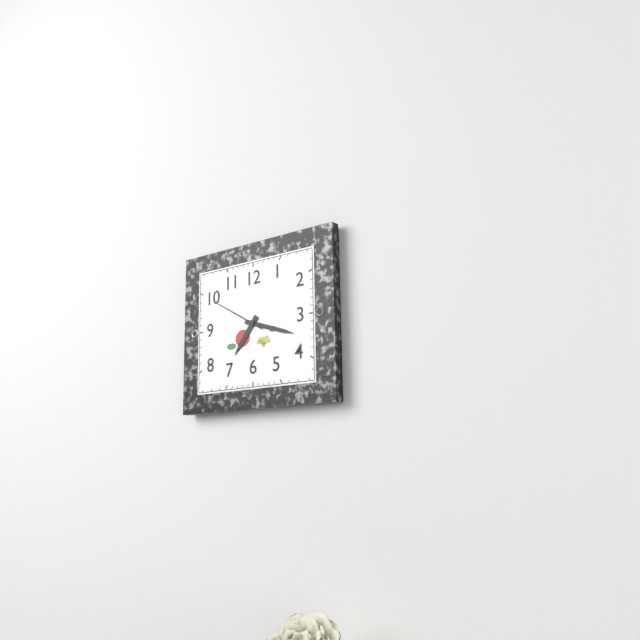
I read 7.18.50
